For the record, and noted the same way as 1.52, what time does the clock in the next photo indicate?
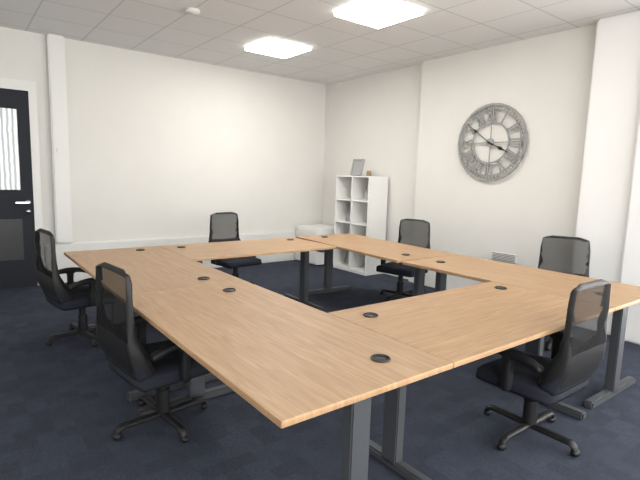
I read 3.51
